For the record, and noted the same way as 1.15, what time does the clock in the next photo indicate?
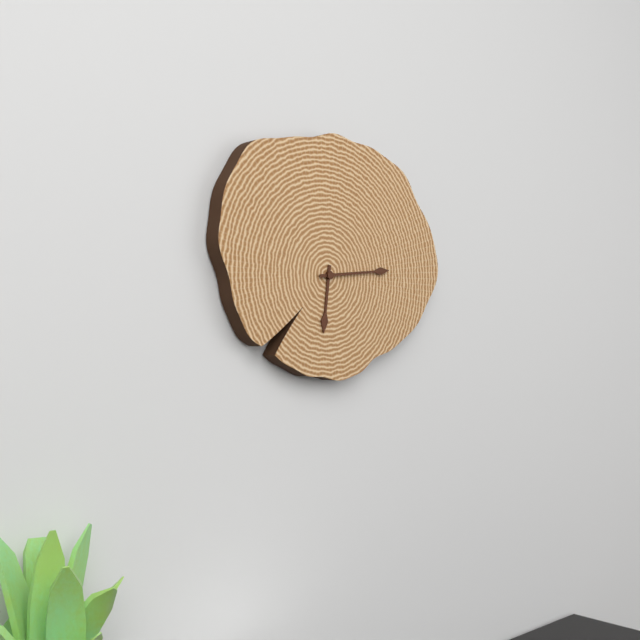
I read 6.14
